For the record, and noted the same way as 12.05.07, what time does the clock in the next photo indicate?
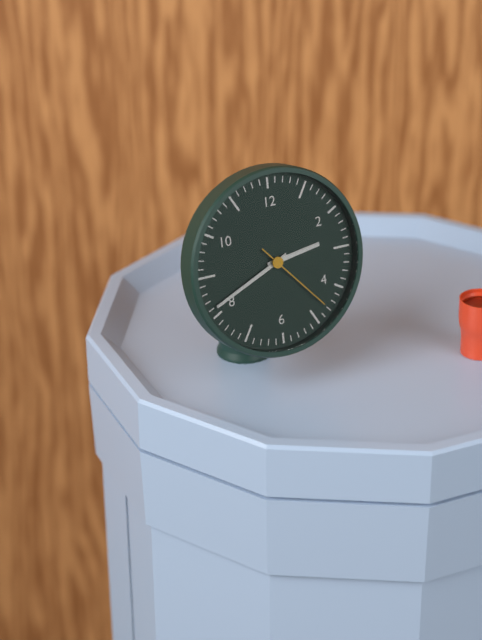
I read 2.41.23
